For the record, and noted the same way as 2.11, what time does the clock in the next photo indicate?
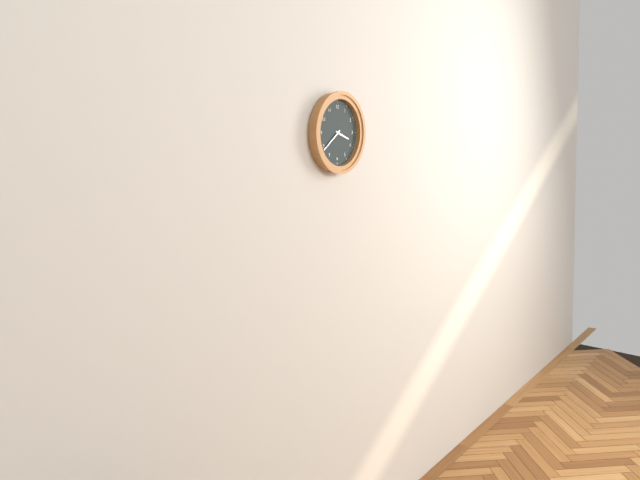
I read 3.39
